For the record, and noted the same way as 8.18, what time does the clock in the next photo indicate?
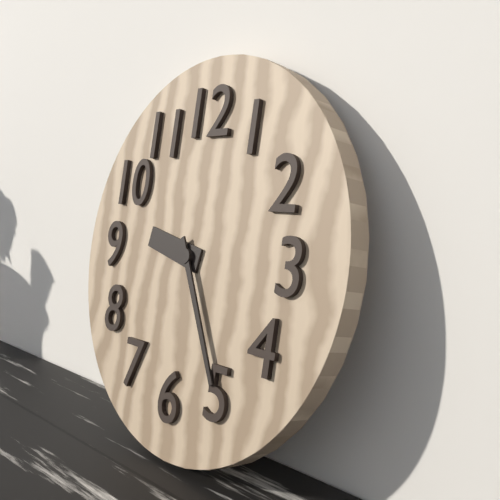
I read 9.25
